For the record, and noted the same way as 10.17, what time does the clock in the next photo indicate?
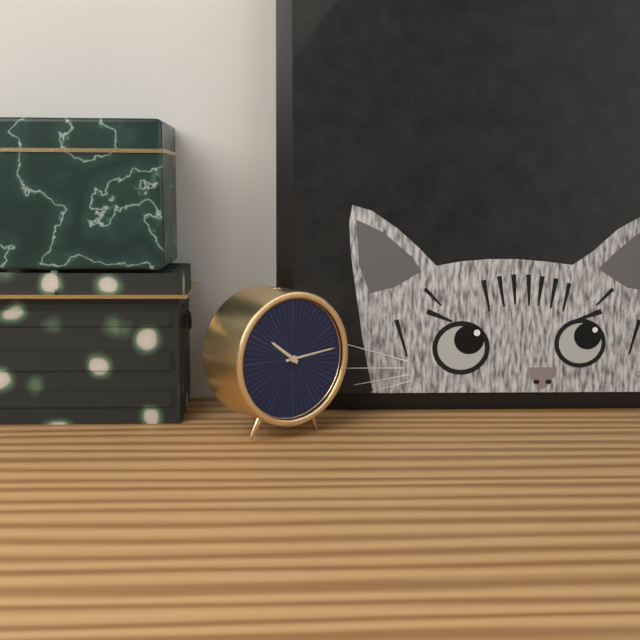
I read 10.14
